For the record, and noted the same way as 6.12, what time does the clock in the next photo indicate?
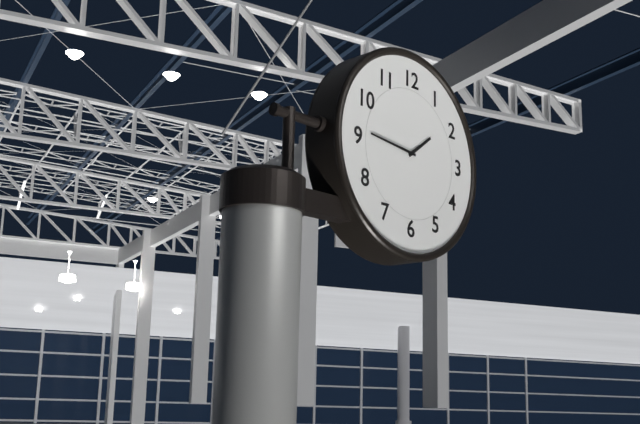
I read 1.46
